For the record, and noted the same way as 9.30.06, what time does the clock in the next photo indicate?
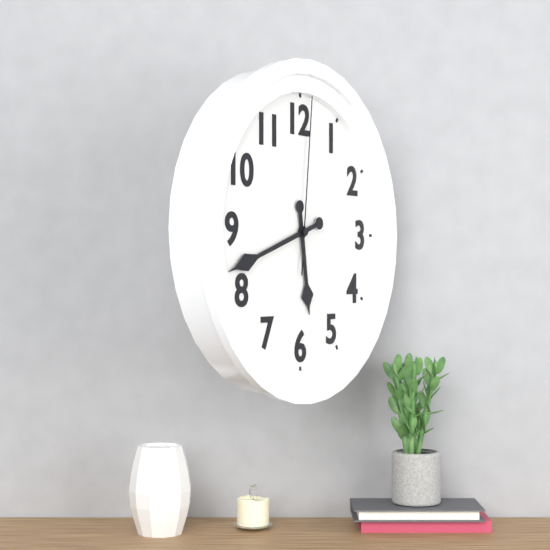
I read 5.42.01
